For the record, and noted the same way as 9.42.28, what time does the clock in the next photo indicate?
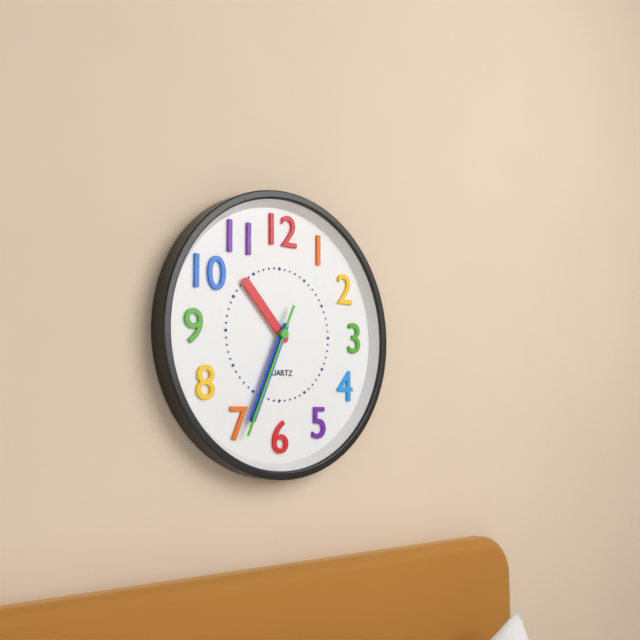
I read 10.34.34
